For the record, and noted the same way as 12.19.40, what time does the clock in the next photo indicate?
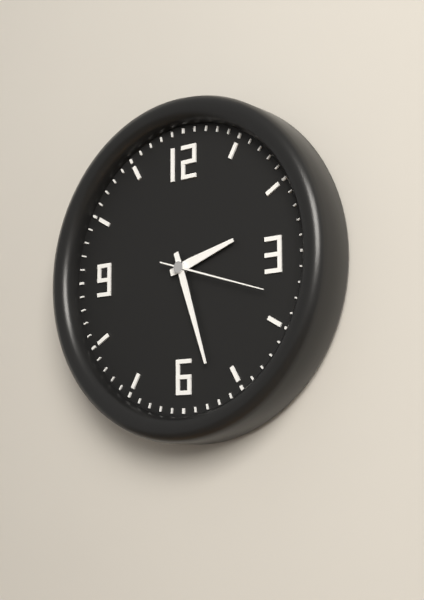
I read 2.27.18
